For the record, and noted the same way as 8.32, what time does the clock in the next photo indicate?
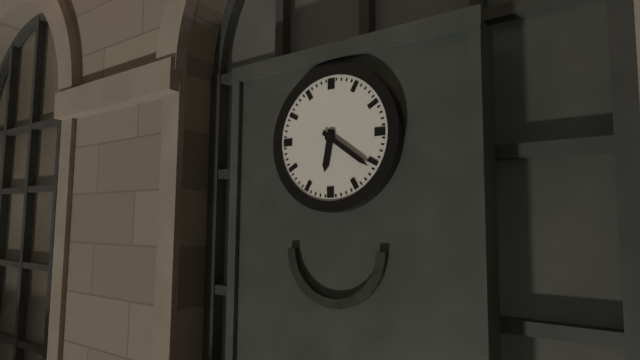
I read 6.21
